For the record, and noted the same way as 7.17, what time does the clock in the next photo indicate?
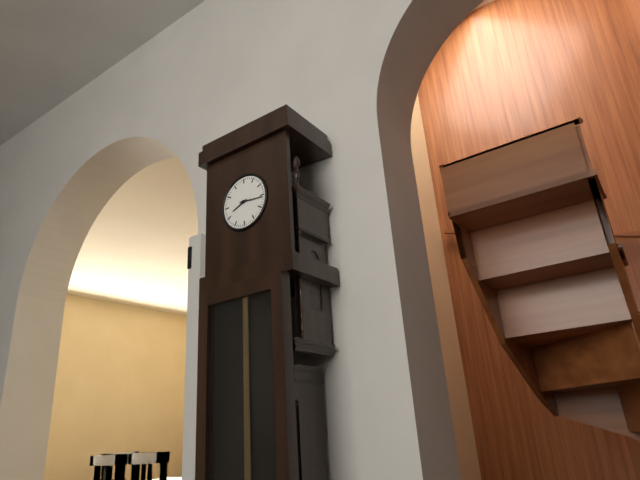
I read 8.16
